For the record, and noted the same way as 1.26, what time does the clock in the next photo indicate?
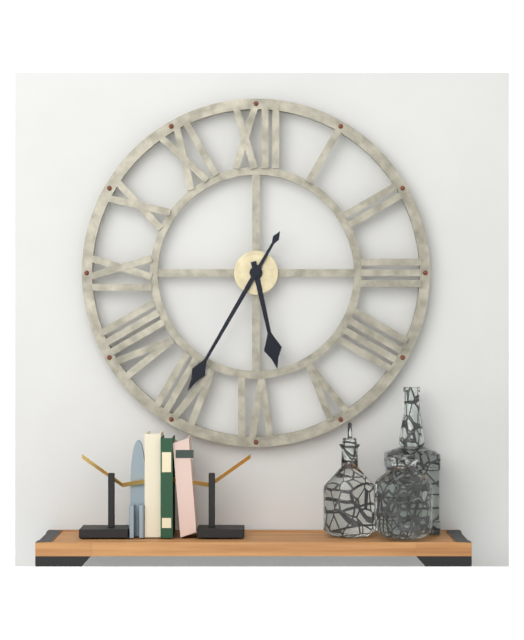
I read 5.35
